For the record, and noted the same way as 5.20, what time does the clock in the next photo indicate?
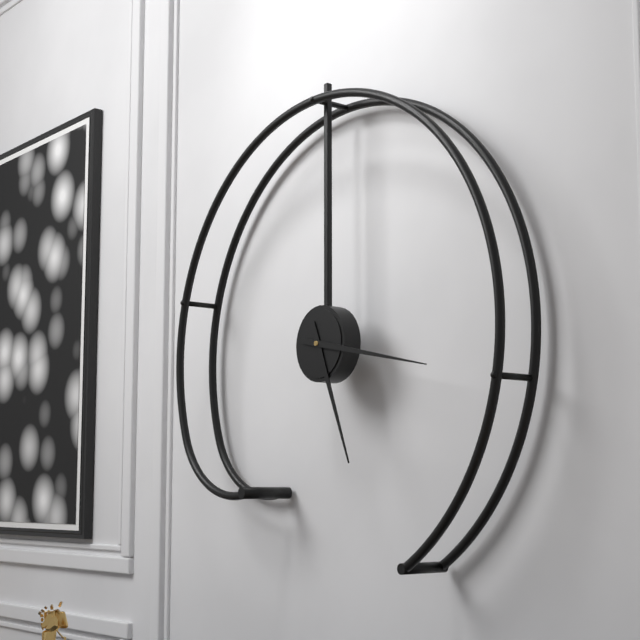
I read 5.17
